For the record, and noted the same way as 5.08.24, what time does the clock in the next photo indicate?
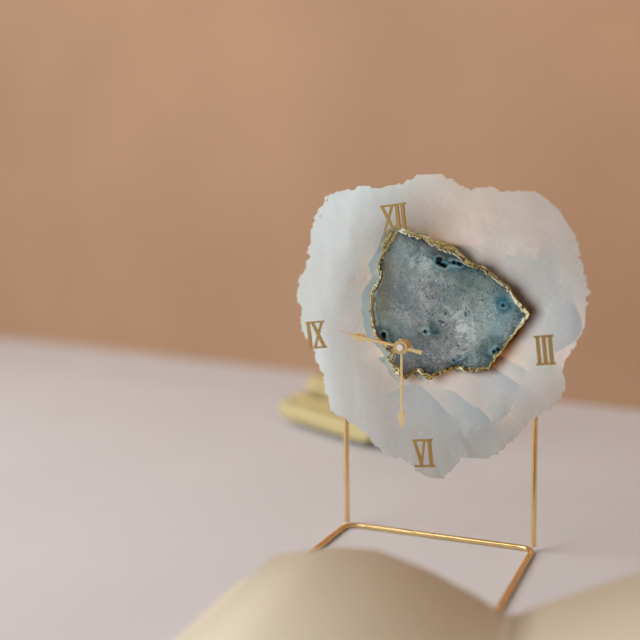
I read 9.31.48
